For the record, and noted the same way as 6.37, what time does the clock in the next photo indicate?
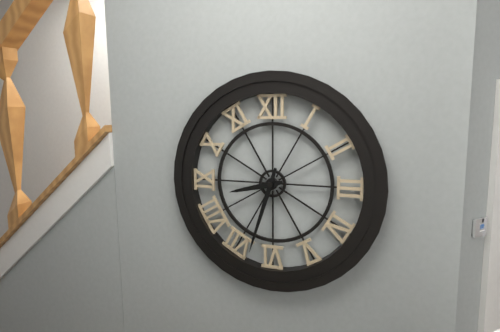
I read 8.33
